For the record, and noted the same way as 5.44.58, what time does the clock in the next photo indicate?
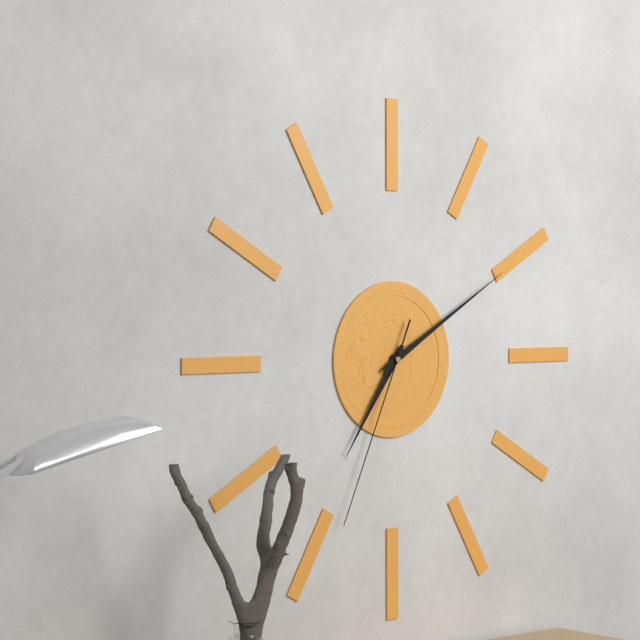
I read 7.10.34
